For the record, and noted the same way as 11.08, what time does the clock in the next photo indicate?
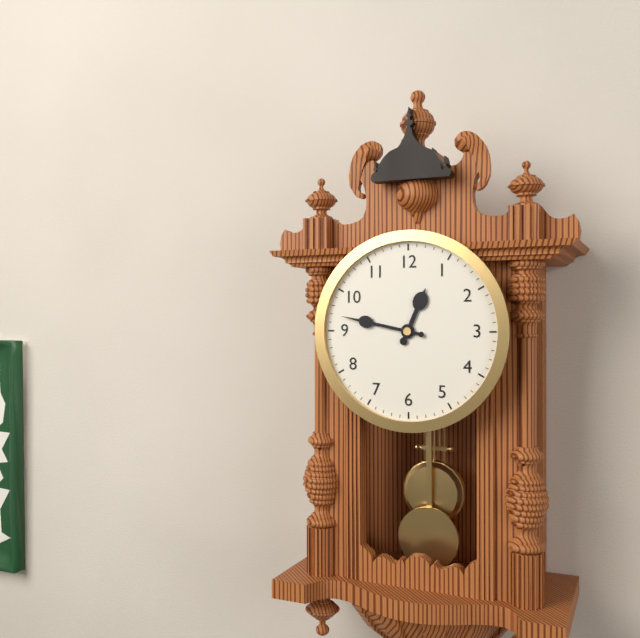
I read 12.47
